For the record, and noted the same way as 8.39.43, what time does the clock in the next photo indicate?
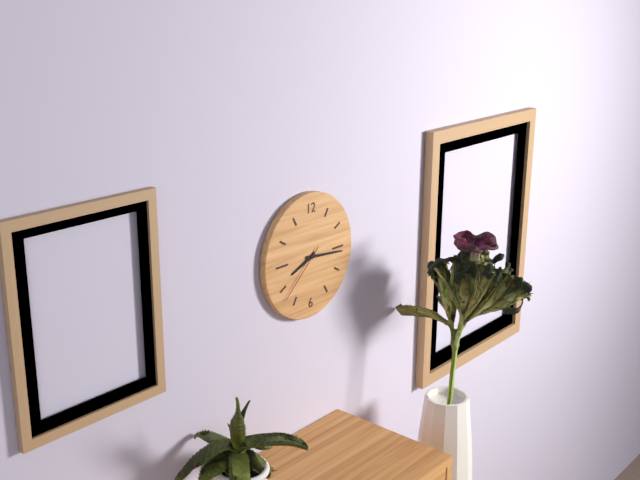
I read 8.16.38
